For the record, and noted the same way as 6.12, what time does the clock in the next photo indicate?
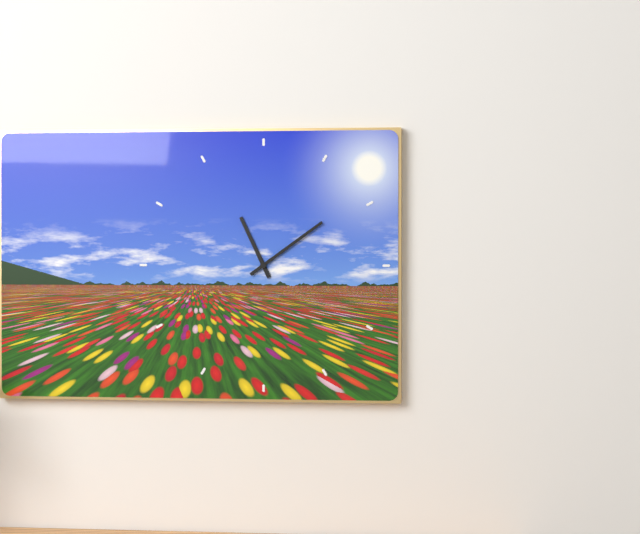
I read 11.09
